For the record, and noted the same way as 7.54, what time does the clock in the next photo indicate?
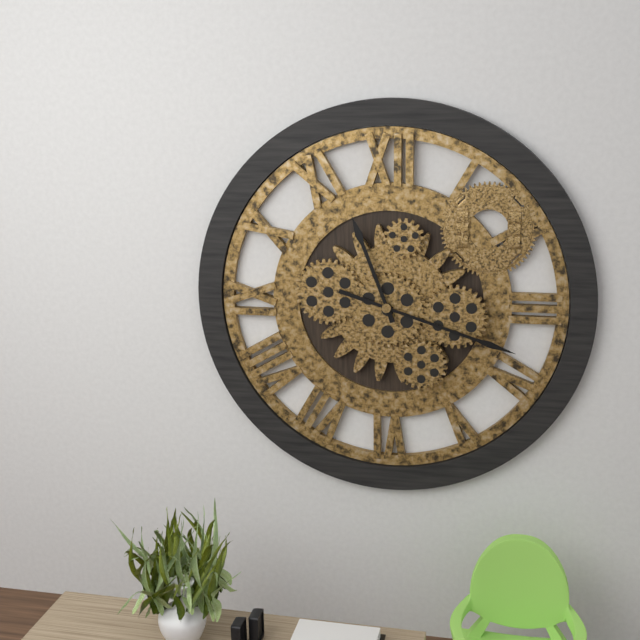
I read 11.18
